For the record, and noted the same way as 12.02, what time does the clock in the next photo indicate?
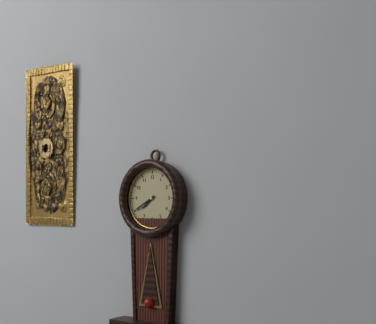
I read 7.40
